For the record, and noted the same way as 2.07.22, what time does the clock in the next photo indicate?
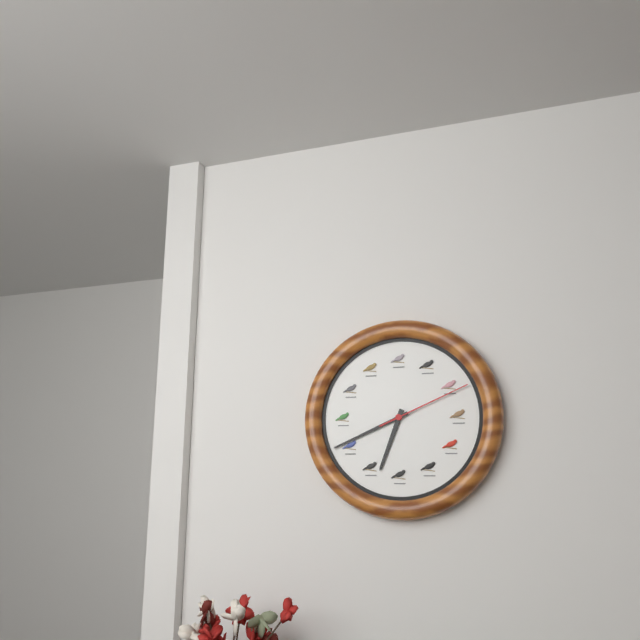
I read 6.41.11
